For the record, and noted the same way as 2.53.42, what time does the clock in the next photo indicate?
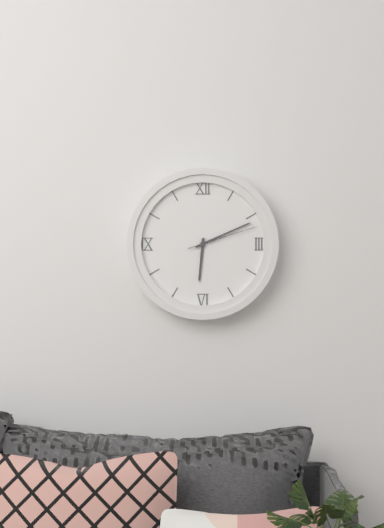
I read 6.11.12
